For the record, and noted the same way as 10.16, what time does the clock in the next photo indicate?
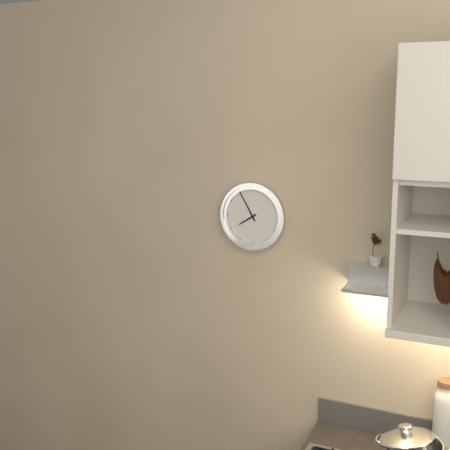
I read 7.55
